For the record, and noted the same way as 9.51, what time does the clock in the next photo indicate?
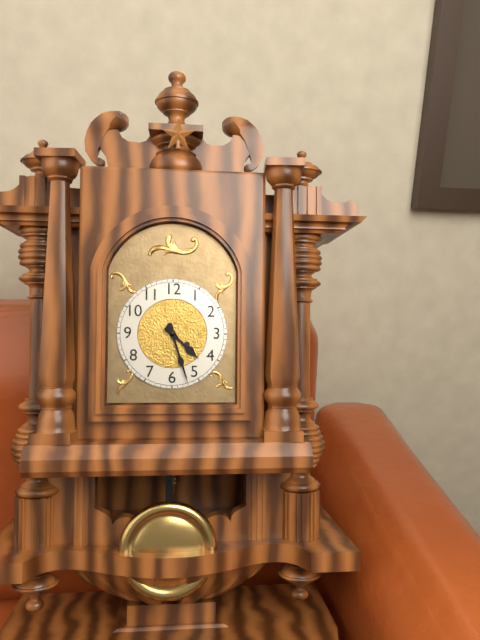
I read 4.27
